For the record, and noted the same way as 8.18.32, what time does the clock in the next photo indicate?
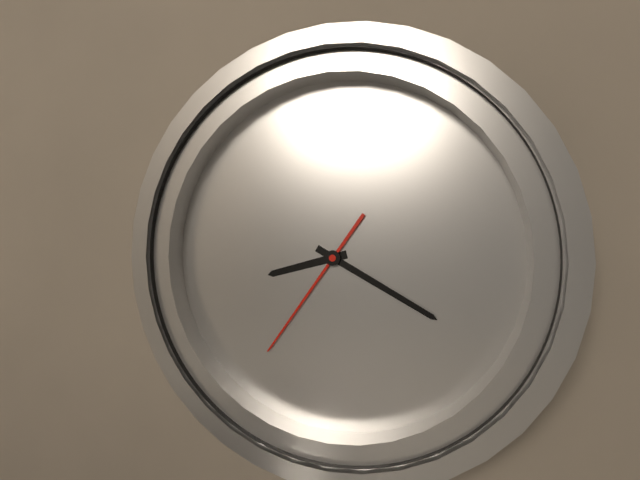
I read 8.19.35
